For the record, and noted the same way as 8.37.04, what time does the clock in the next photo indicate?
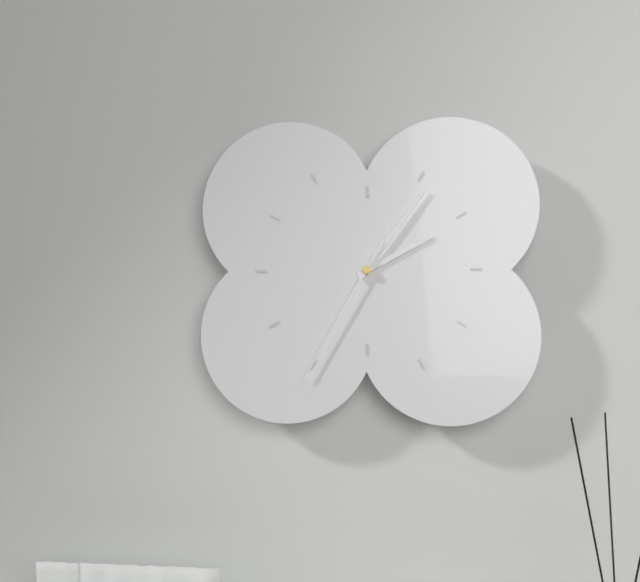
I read 2.06.35
